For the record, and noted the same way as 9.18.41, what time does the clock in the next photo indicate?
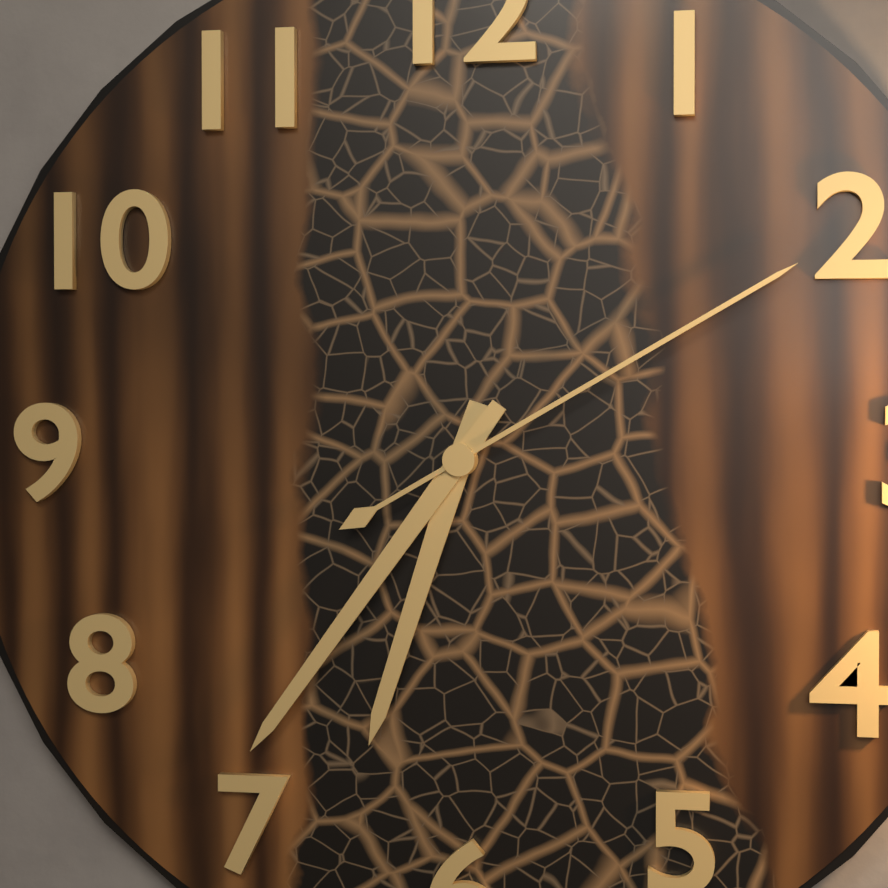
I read 6.36.10
